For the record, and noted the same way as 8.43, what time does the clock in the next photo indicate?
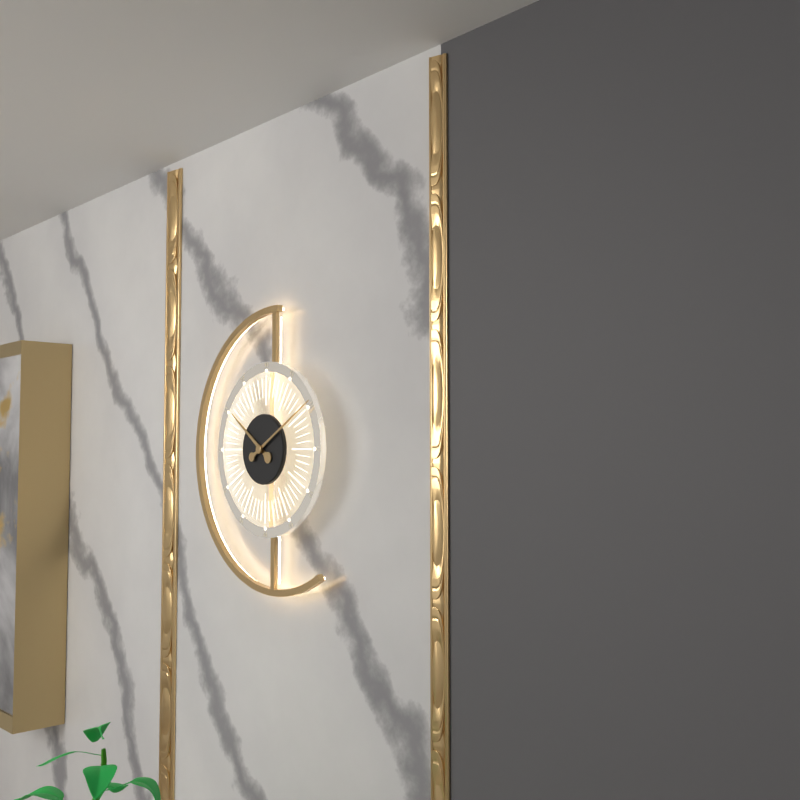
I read 10.10
